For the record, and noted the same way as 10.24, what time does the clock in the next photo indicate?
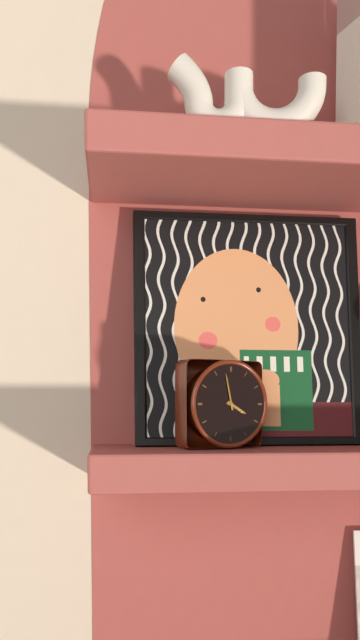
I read 3.58
